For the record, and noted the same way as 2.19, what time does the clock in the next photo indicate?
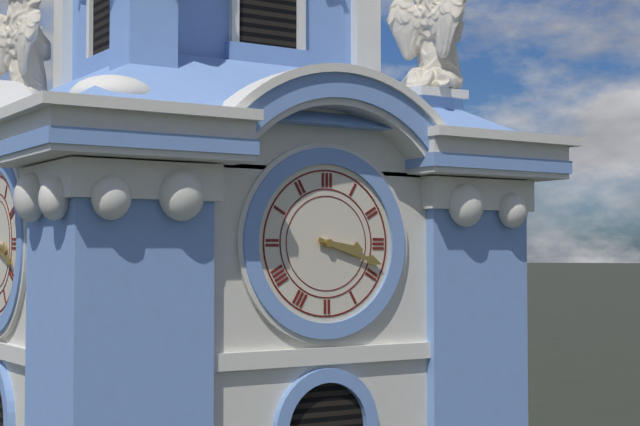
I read 3.18
